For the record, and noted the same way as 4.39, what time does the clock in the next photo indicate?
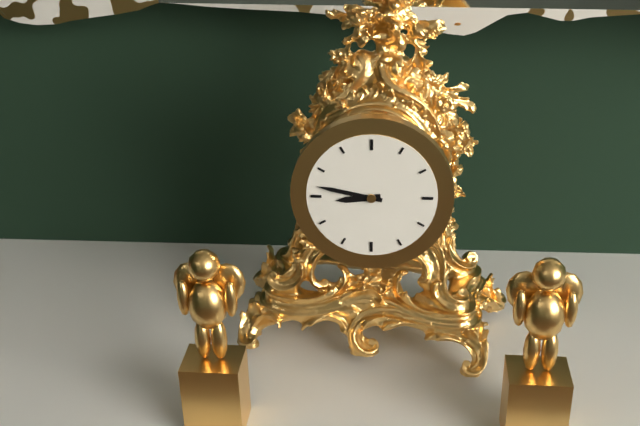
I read 8.47
